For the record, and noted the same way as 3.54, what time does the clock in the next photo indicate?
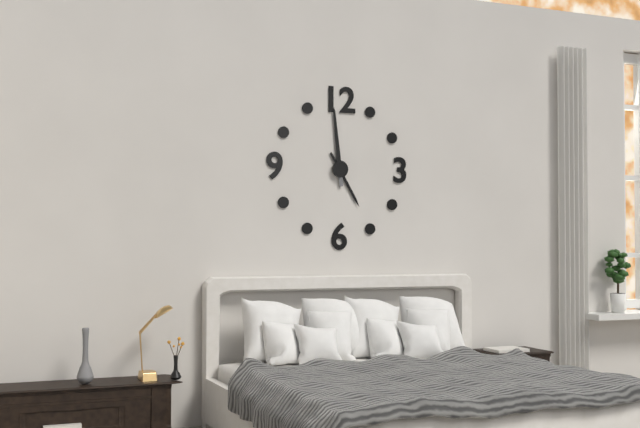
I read 4.59
